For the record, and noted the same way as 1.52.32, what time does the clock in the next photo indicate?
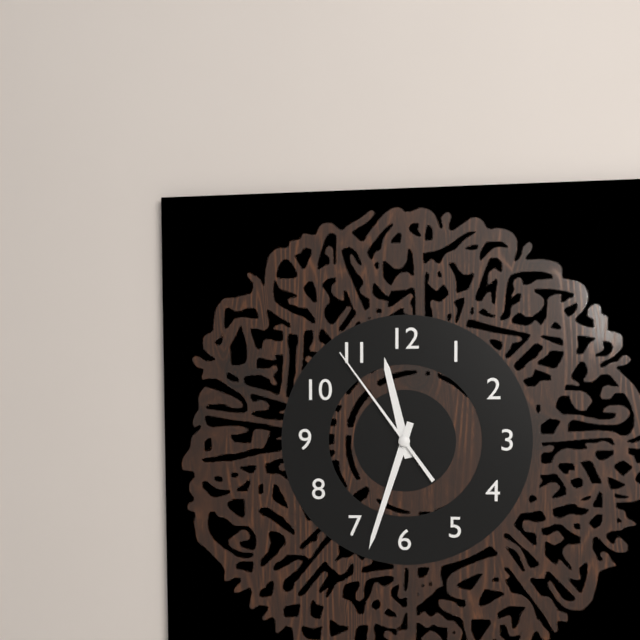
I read 11.33.54
